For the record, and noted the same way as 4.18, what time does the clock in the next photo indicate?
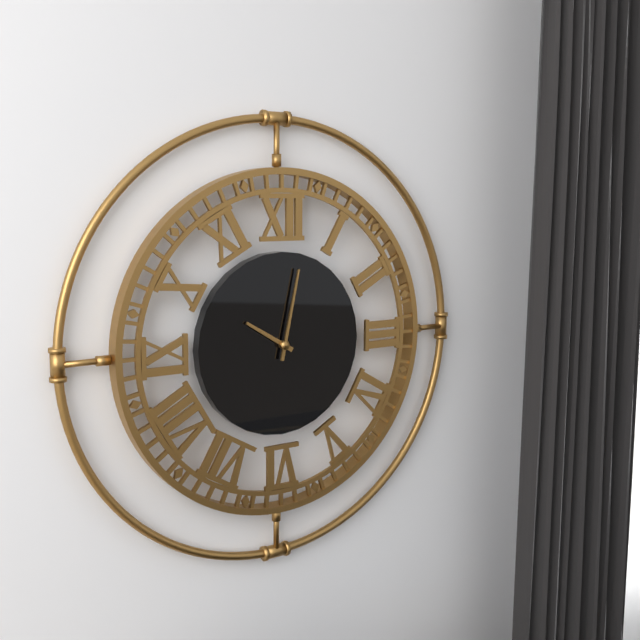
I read 10.02
